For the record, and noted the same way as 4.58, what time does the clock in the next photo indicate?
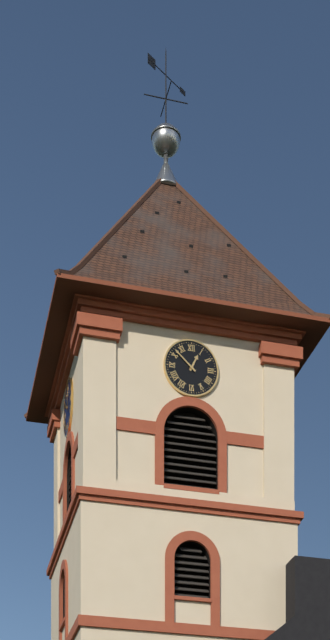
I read 12.52
